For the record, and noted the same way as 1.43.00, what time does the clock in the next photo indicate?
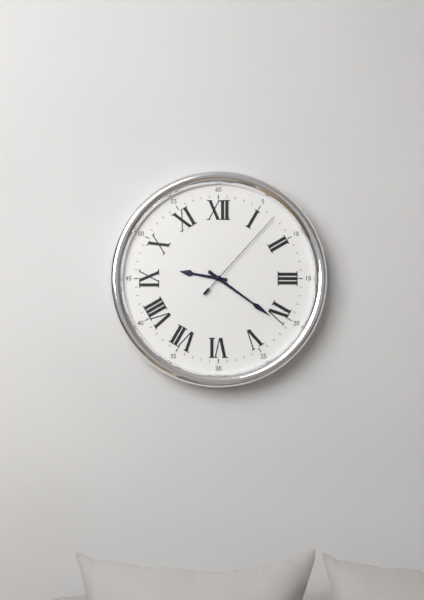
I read 9.21.07
